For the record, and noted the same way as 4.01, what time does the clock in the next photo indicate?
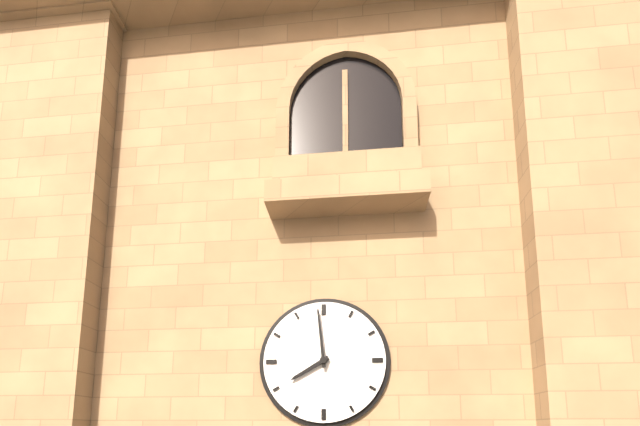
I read 7.59
